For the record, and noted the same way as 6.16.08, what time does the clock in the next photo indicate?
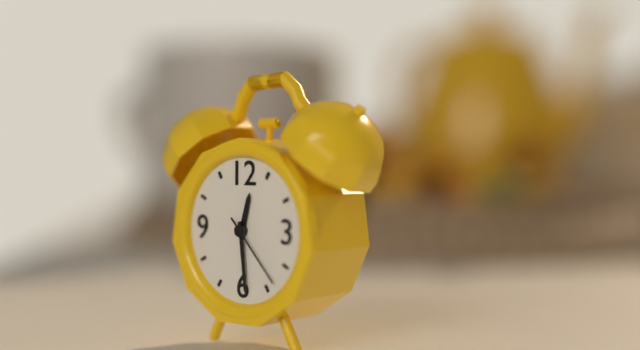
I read 12.29.23
